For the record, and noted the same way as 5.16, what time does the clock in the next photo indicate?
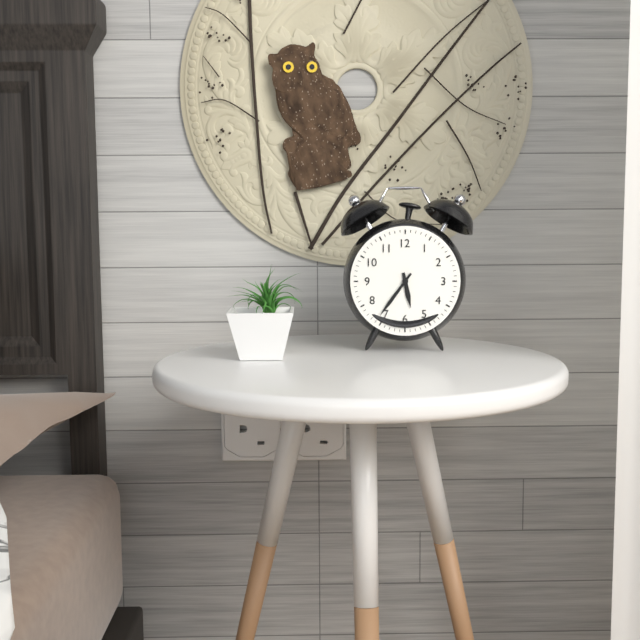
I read 5.36
